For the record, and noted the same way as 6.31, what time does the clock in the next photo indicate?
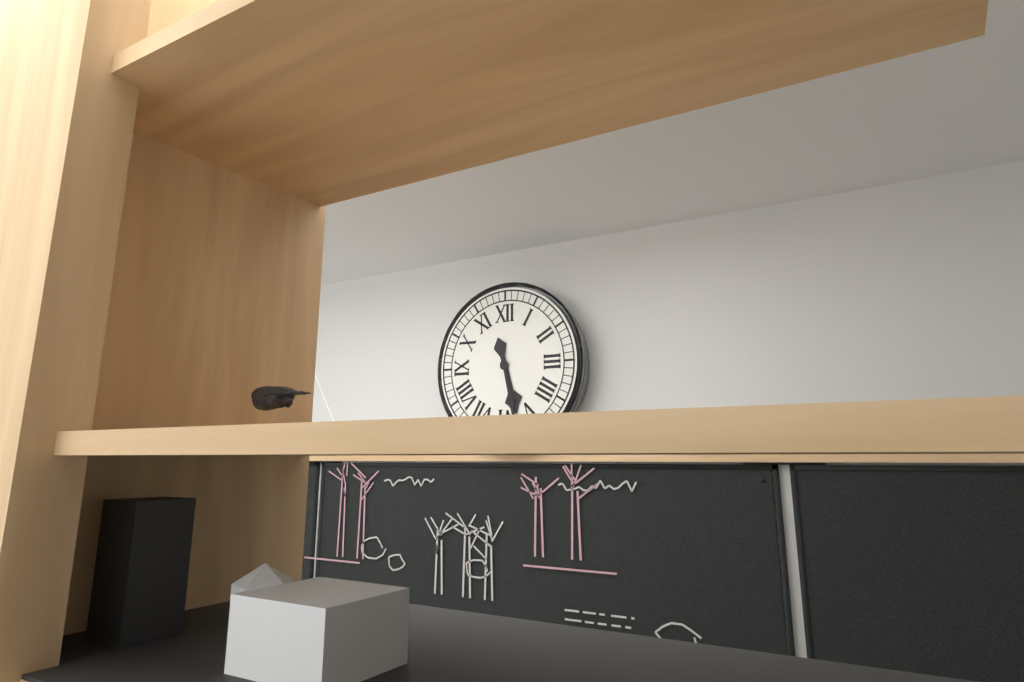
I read 5.28
